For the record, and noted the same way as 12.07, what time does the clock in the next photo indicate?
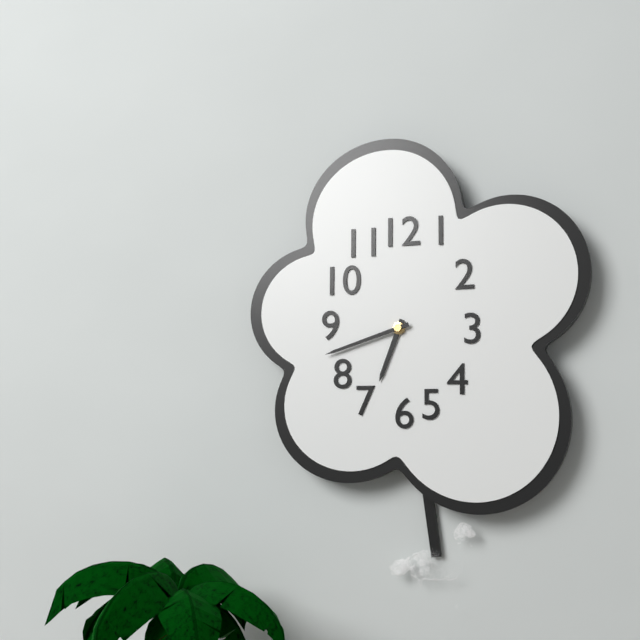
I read 6.42
